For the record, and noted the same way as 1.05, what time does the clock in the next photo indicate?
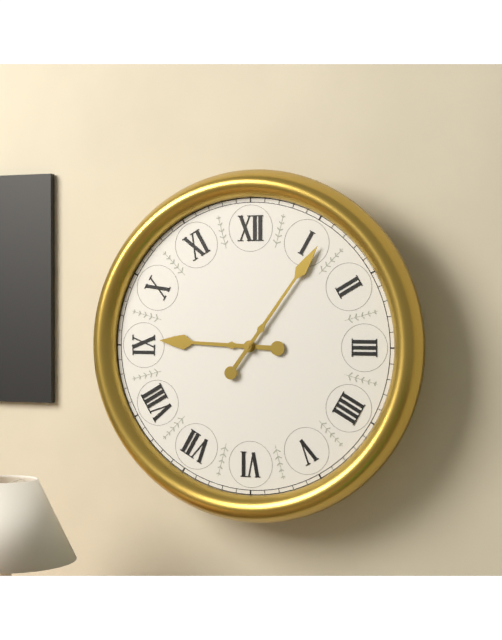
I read 9.06
